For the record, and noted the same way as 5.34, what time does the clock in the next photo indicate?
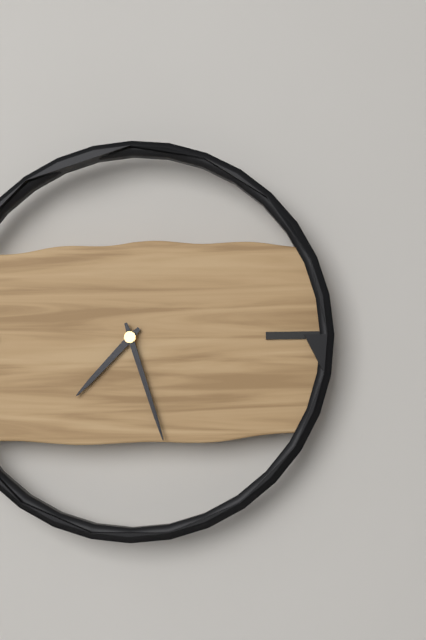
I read 7.27
